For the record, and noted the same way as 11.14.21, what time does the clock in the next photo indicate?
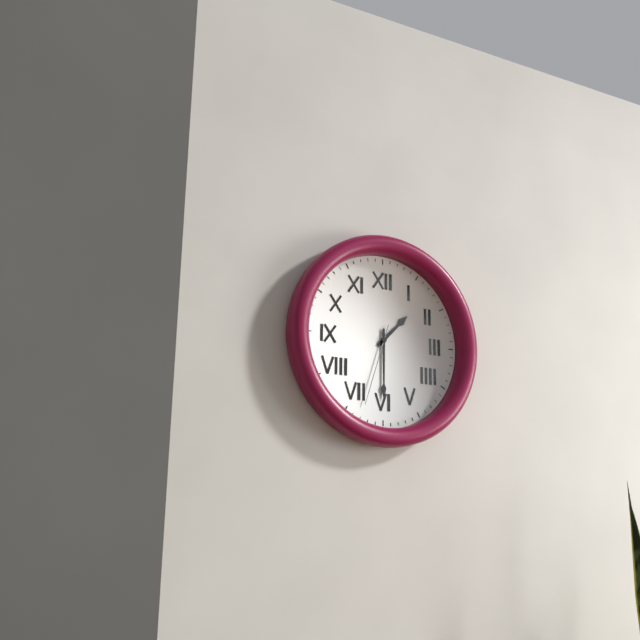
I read 1.30.33
